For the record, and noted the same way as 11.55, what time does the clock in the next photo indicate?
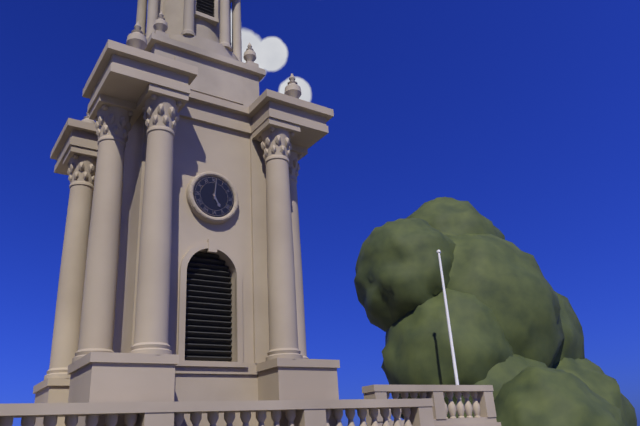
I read 5.01
